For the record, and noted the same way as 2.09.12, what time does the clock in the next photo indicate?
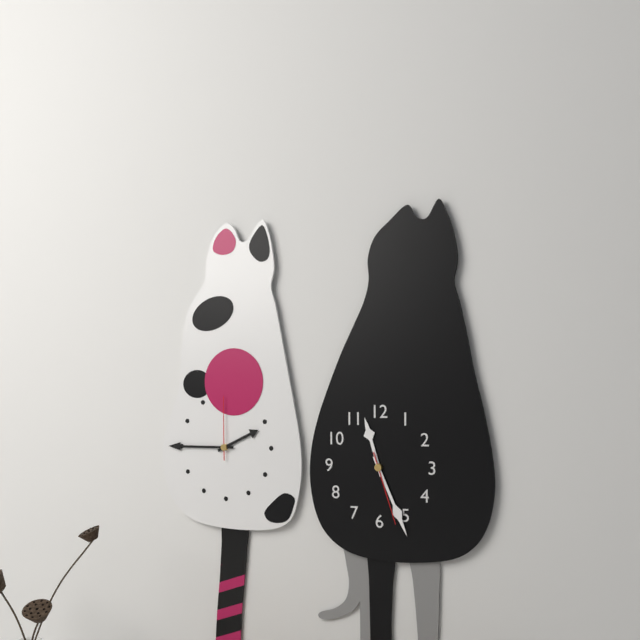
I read 11.26.27
